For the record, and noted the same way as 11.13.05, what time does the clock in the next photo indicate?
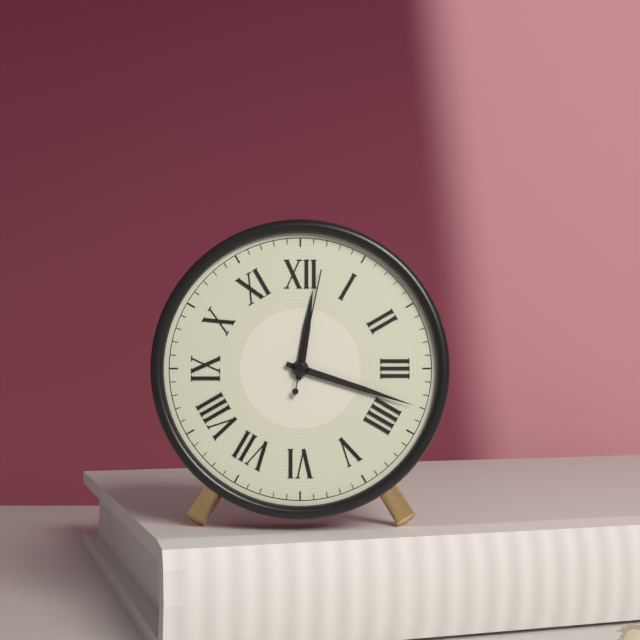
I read 12.18.02
